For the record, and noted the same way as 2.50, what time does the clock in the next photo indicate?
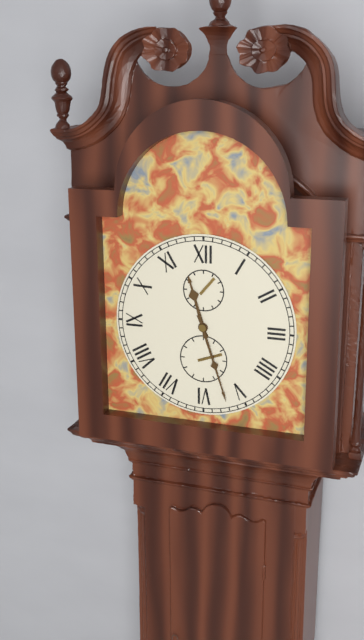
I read 11.27
